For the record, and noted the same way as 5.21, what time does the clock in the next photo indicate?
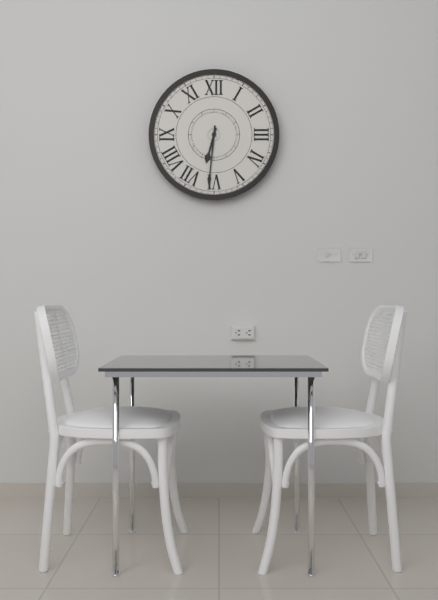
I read 6.31
